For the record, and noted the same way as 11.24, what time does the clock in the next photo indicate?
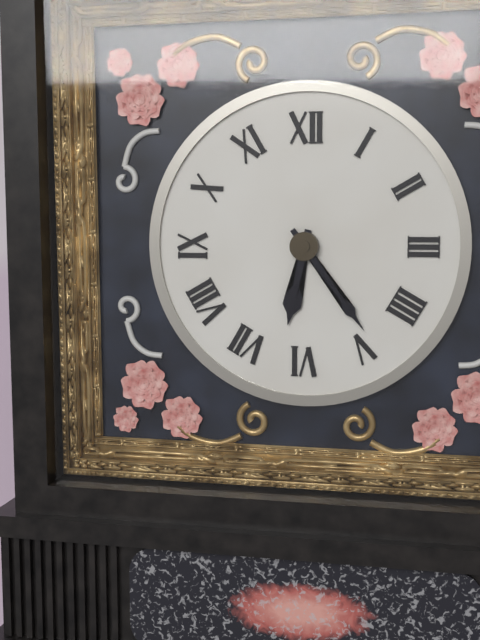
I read 6.24
